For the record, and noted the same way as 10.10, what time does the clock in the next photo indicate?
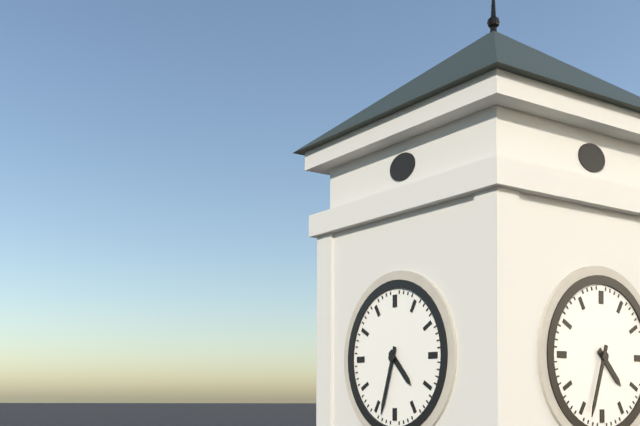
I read 4.33
